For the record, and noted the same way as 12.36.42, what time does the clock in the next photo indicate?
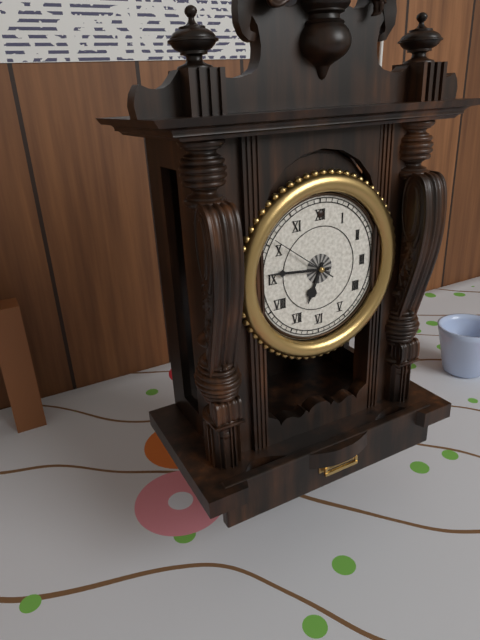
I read 6.46.51
